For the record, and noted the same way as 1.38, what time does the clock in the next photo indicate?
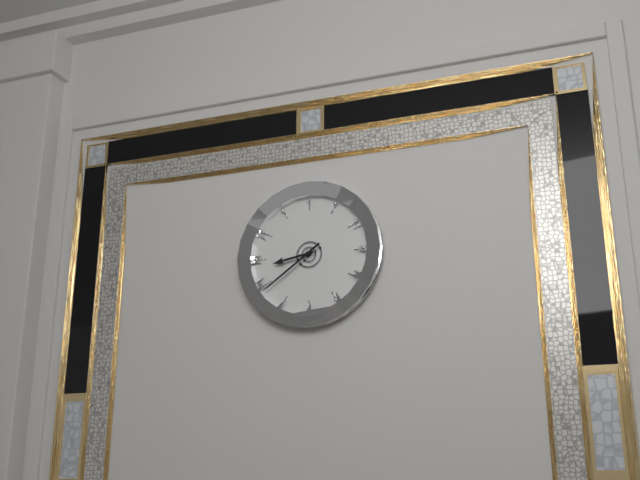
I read 8.39
